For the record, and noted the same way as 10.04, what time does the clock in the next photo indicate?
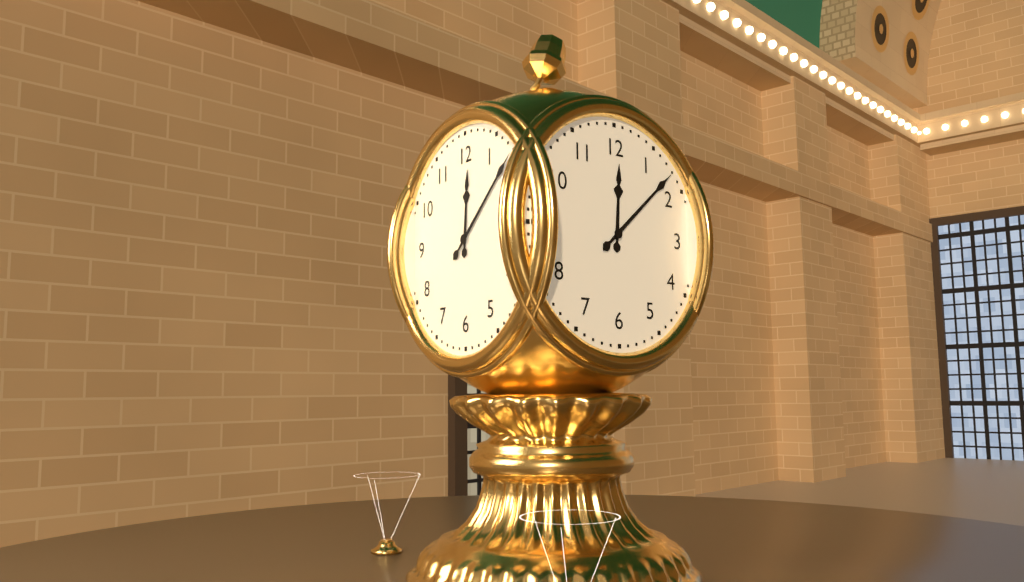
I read 12.08
